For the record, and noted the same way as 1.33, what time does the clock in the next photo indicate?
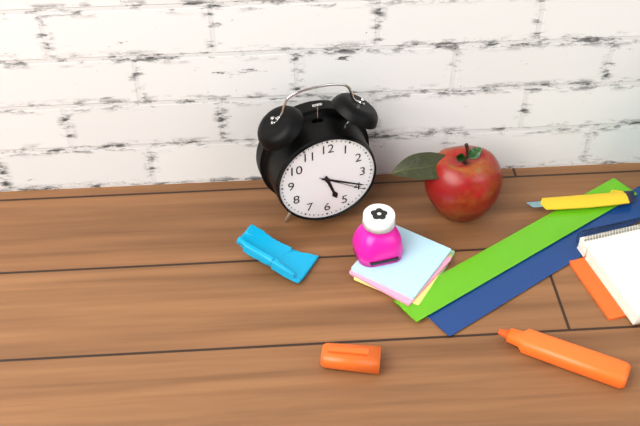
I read 5.19
